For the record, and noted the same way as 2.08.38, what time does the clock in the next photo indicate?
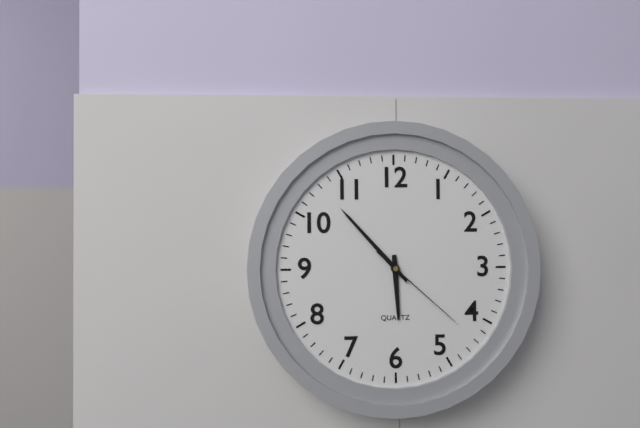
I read 5.53.22
